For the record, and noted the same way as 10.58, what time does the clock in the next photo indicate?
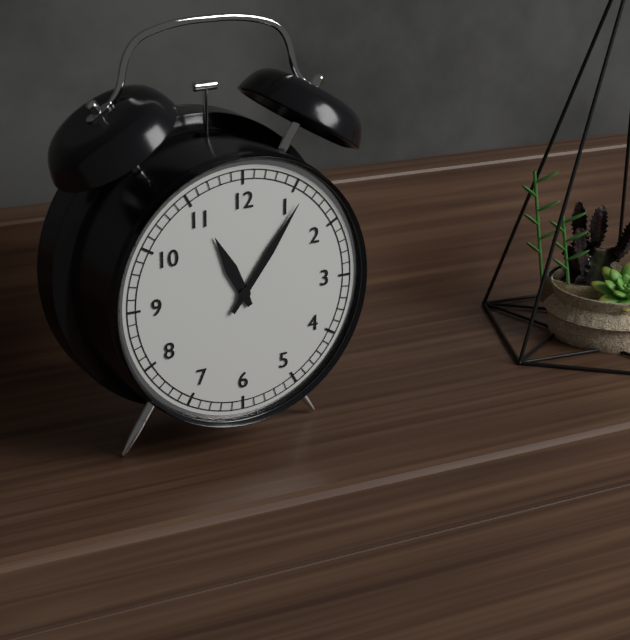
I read 11.06
